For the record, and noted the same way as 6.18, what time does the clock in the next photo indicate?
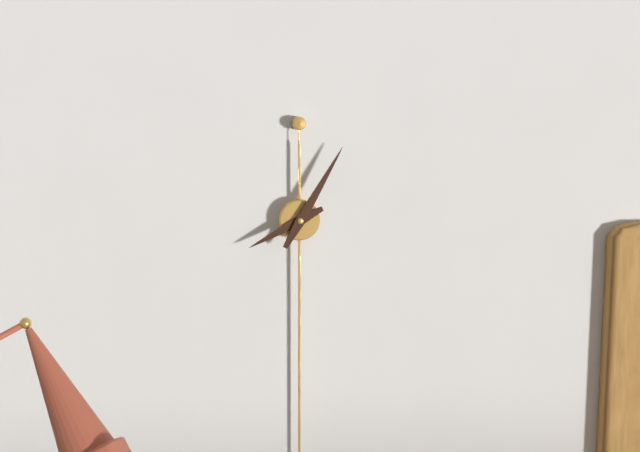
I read 8.05
